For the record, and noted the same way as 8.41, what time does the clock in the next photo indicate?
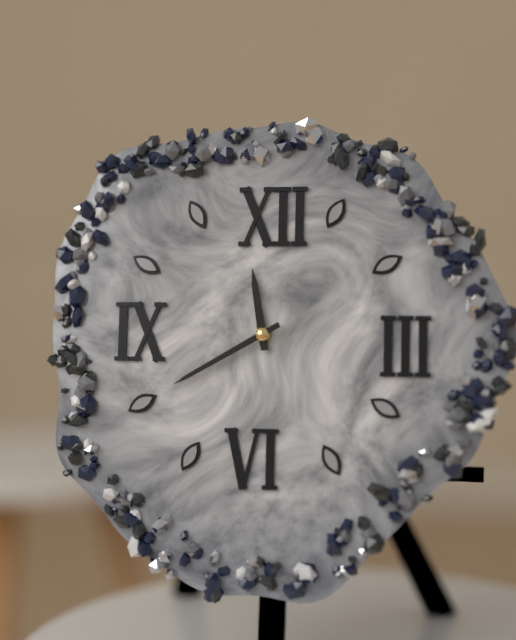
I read 11.40
